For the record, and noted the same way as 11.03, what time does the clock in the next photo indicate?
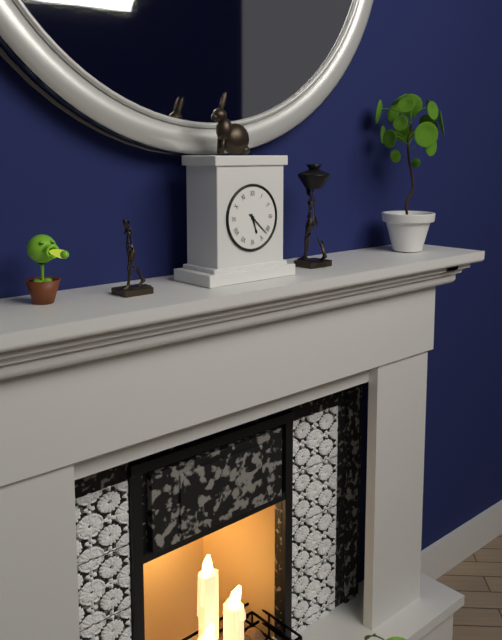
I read 5.22
